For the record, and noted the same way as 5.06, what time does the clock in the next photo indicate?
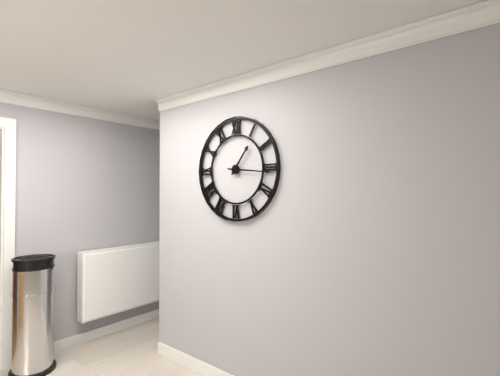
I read 1.16
